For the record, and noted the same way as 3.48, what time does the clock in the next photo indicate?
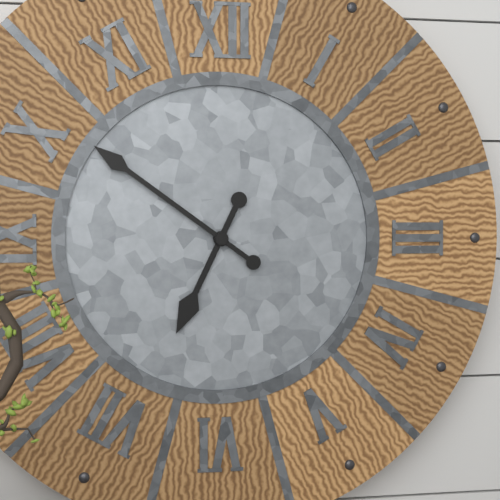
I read 6.51
